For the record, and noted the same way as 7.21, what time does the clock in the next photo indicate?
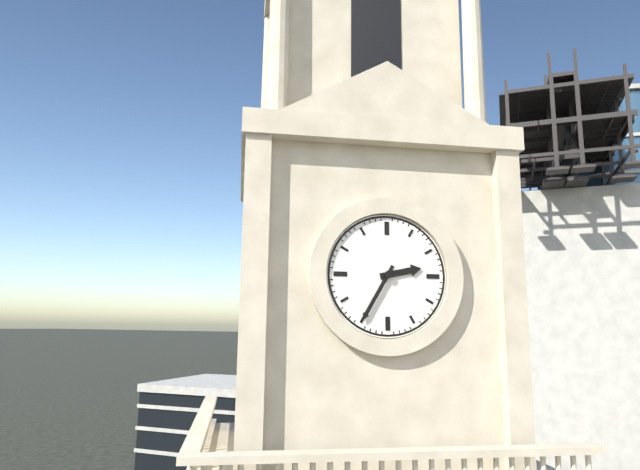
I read 2.35
